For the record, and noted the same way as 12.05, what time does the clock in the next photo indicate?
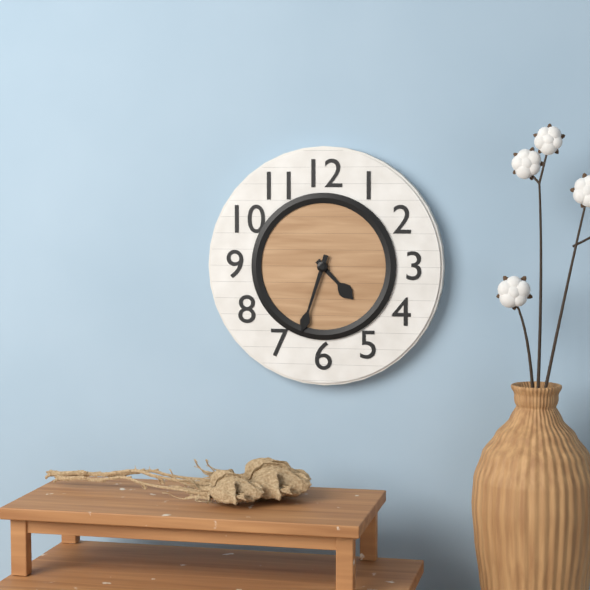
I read 4.33
